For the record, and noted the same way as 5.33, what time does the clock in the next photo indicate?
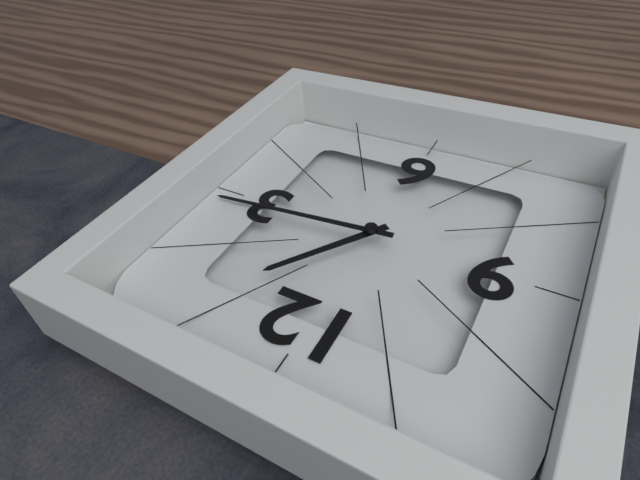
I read 1.14
